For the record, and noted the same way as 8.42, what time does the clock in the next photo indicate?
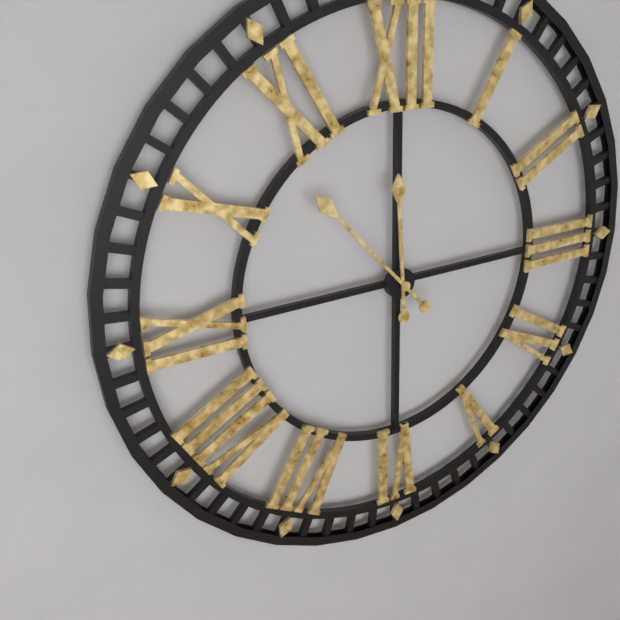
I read 11.53
